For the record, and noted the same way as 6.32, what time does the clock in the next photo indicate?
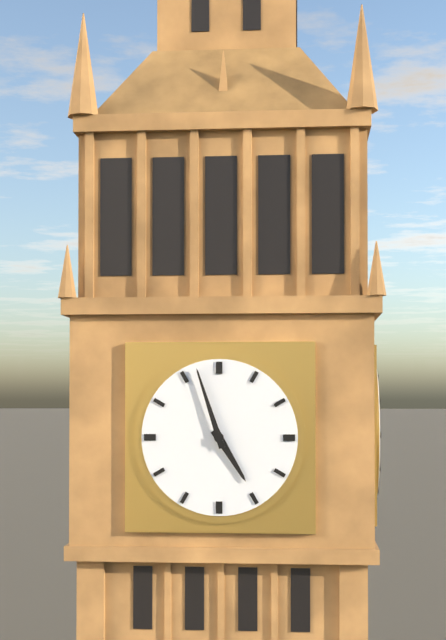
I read 4.57
